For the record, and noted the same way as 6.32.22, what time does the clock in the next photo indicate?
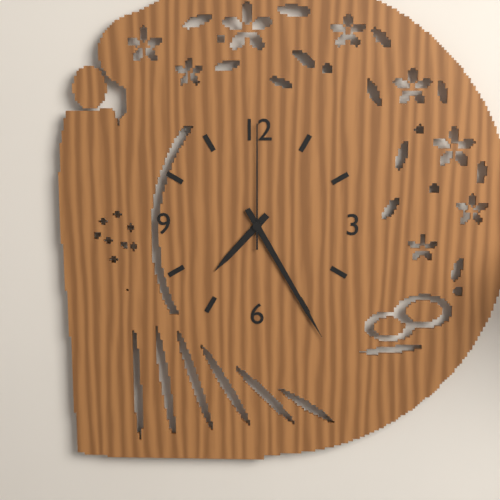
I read 7.25.00
